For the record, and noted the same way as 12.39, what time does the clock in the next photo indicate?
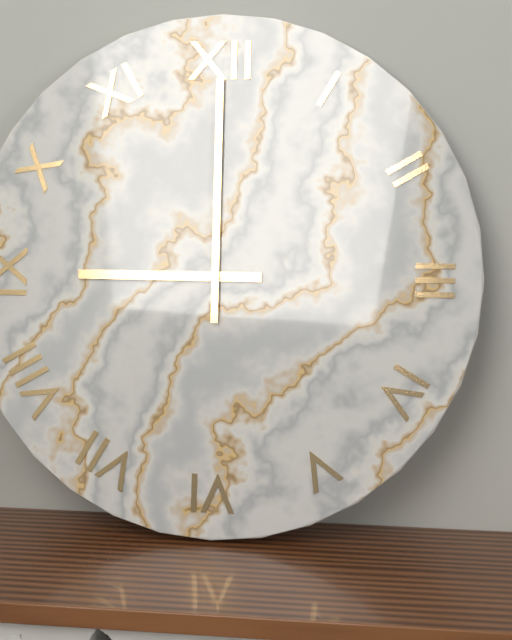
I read 9.00
